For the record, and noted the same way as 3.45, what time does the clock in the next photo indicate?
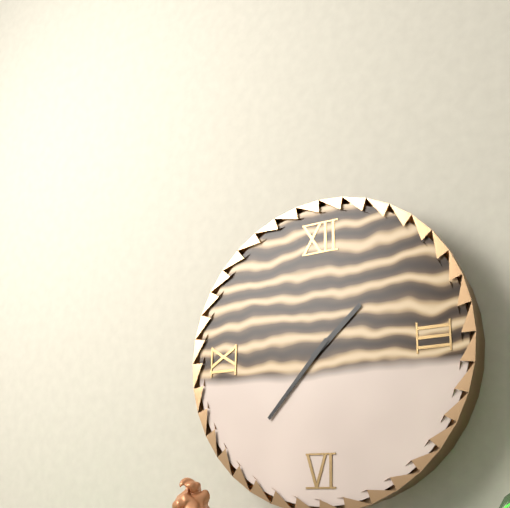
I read 1.37
